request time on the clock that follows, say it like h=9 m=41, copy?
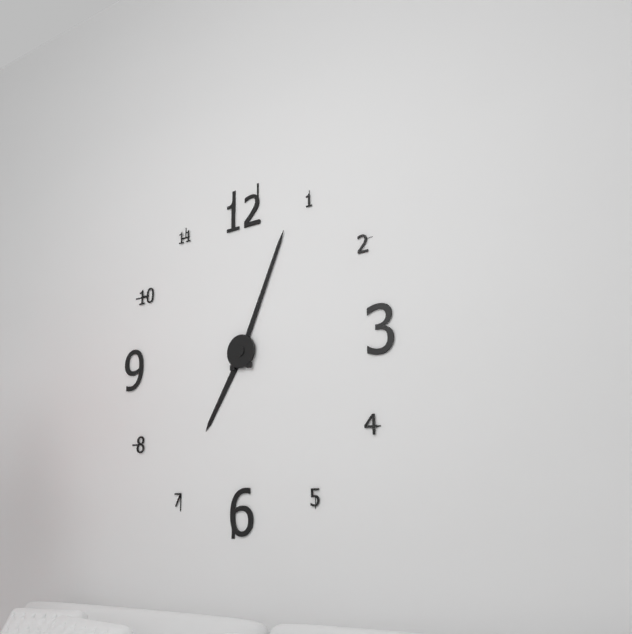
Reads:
h=7 m=4
